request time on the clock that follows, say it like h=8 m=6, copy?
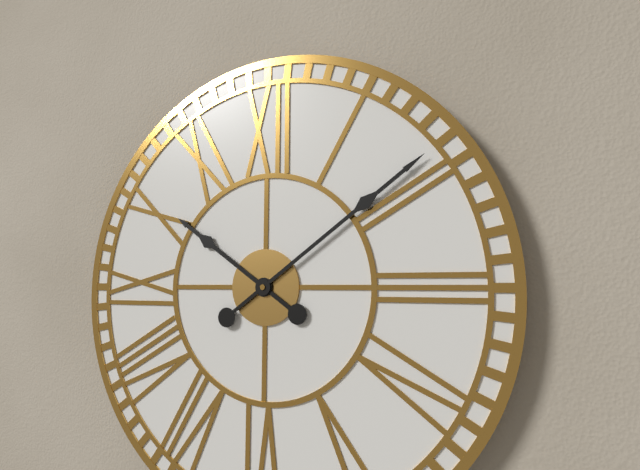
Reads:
h=10 m=9
